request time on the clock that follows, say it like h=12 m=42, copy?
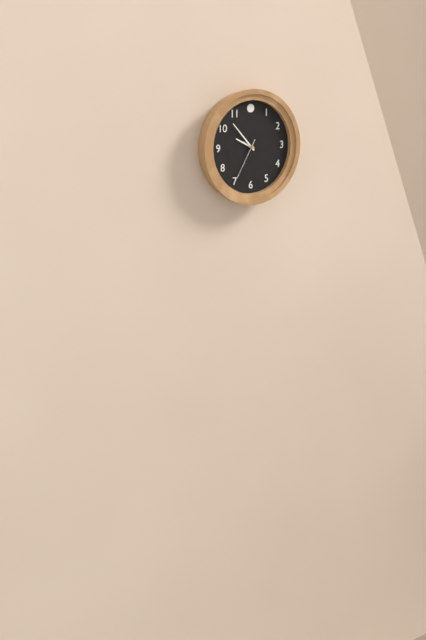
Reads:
h=9 m=53
